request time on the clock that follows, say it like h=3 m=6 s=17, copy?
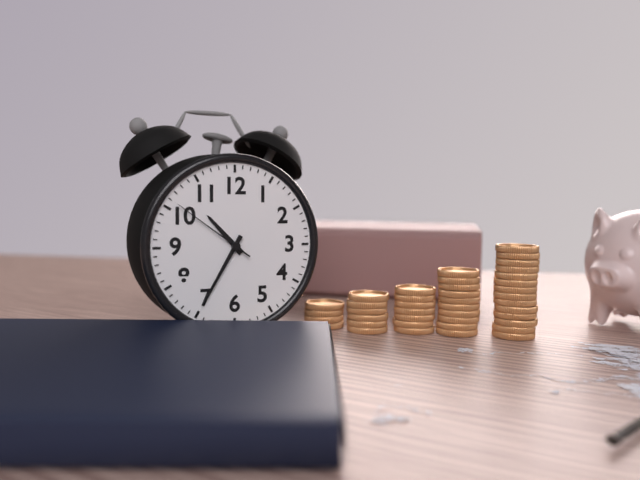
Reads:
h=10 m=35 s=51
